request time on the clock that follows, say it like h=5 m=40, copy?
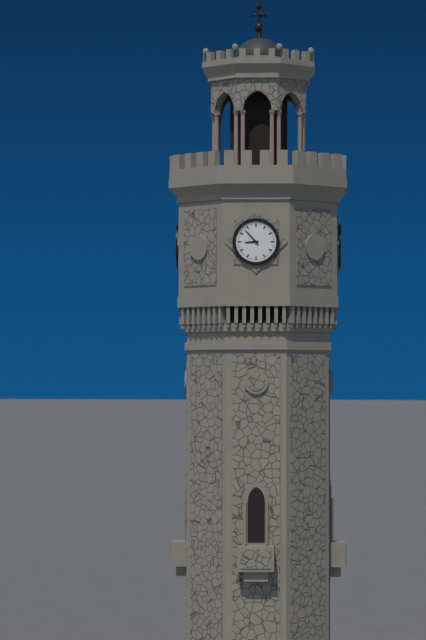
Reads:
h=8 m=53
